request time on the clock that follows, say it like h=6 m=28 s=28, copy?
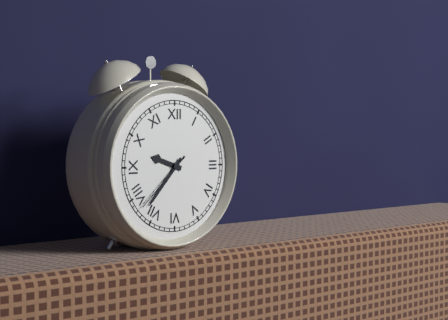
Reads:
h=9 m=37 s=38
